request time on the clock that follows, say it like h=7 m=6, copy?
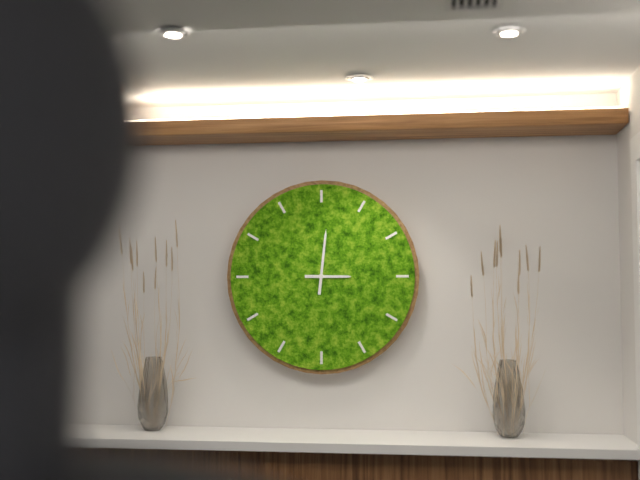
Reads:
h=3 m=1
